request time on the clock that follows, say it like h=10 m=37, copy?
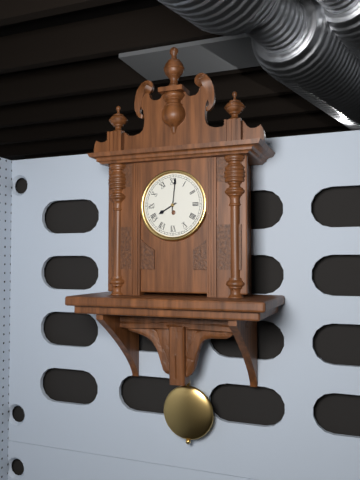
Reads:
h=8 m=1
